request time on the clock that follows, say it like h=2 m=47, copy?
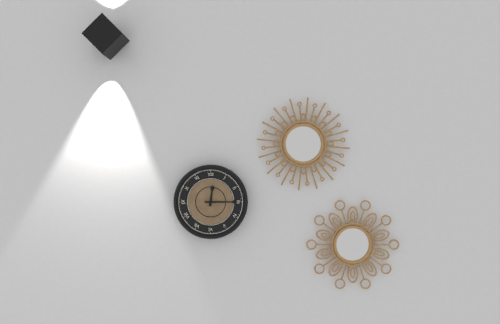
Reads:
h=12 m=15
